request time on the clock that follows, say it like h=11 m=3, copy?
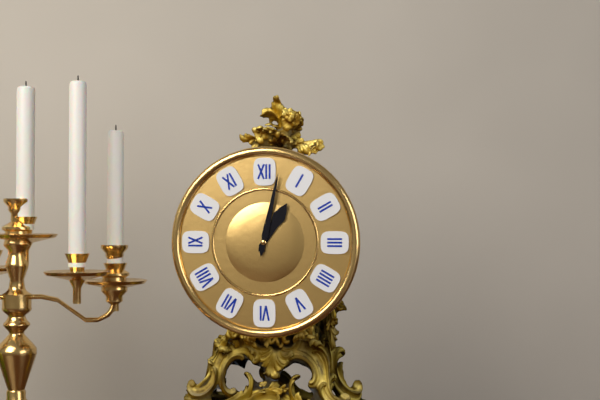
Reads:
h=1 m=2
